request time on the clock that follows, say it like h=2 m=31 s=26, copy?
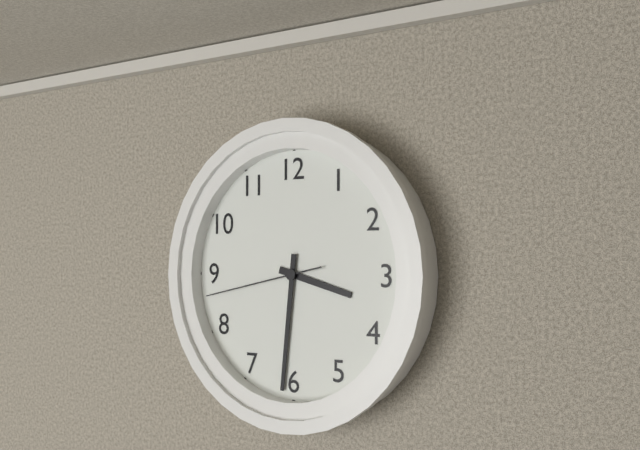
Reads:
h=3 m=31 s=43
